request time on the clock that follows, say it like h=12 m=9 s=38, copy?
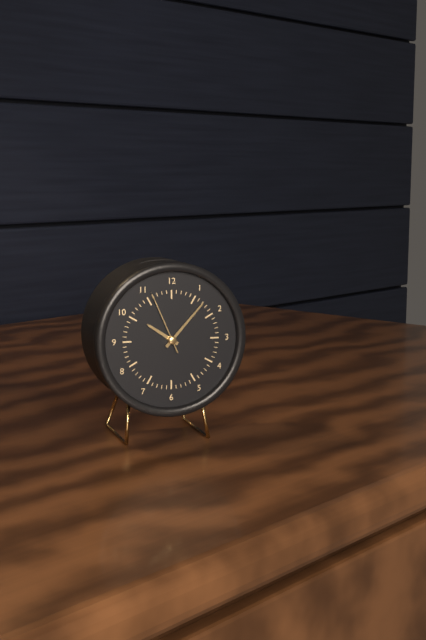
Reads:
h=10 m=7 s=56
